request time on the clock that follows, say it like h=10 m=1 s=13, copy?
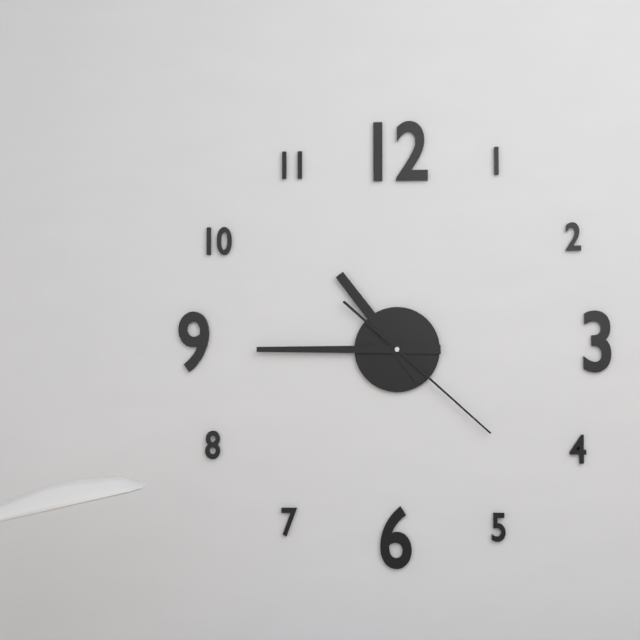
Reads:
h=10 m=45 s=22
